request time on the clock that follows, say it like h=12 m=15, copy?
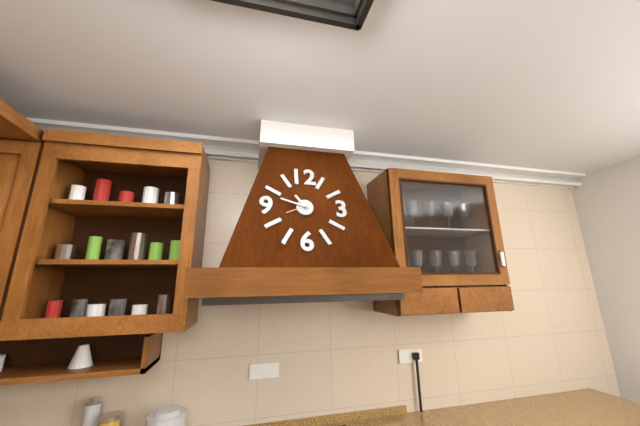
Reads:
h=10 m=48
